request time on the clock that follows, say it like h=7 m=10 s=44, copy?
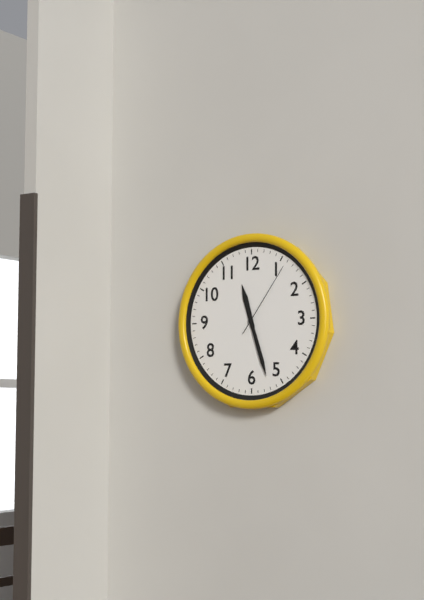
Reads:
h=11 m=27 s=6
